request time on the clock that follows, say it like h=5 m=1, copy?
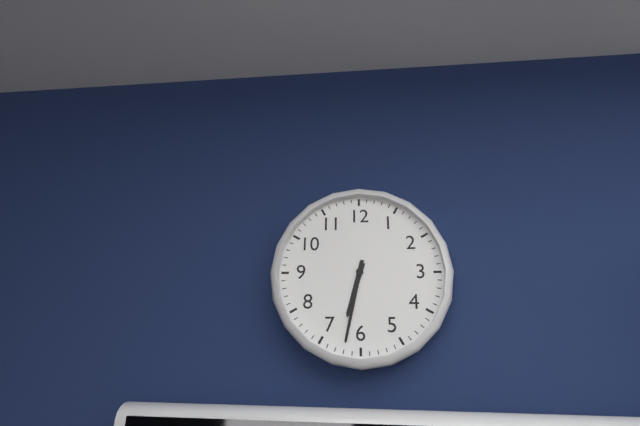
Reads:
h=6 m=32
